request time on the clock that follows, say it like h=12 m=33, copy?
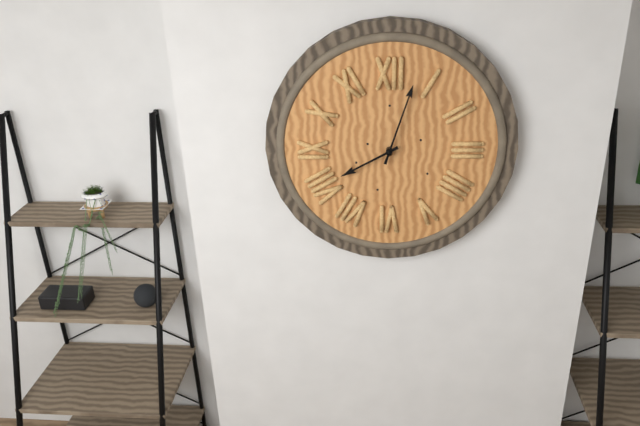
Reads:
h=8 m=3
